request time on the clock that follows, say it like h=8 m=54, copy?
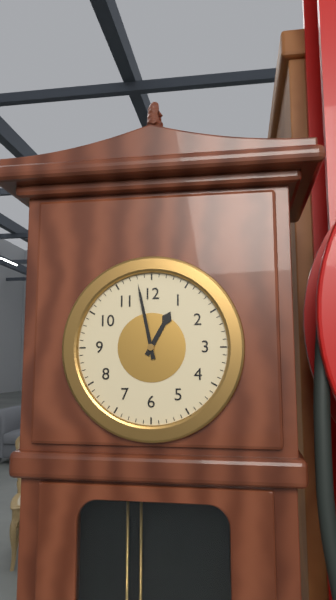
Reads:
h=12 m=58
